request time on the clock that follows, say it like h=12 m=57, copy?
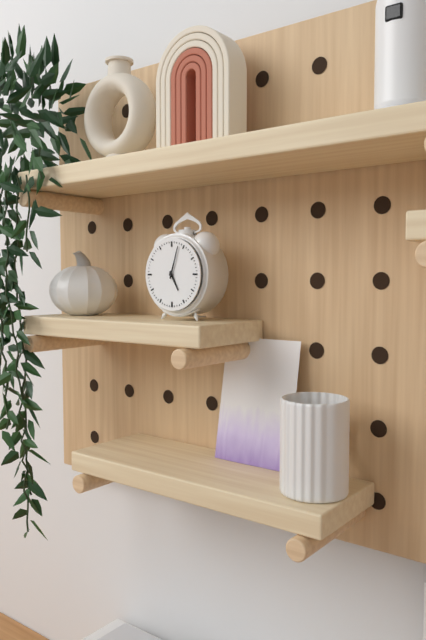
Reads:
h=5 m=3
